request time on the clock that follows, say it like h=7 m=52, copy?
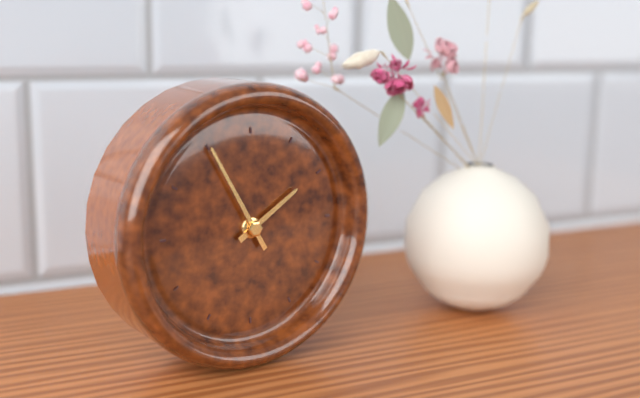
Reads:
h=1 m=55
